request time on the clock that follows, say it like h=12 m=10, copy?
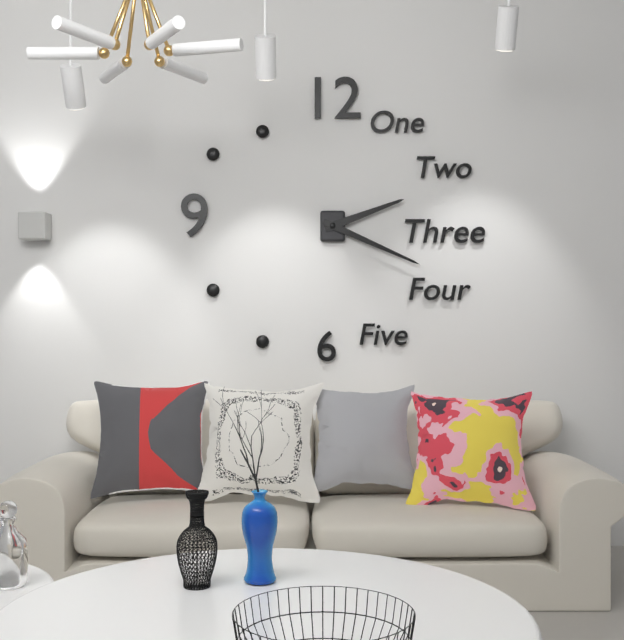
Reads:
h=2 m=19
